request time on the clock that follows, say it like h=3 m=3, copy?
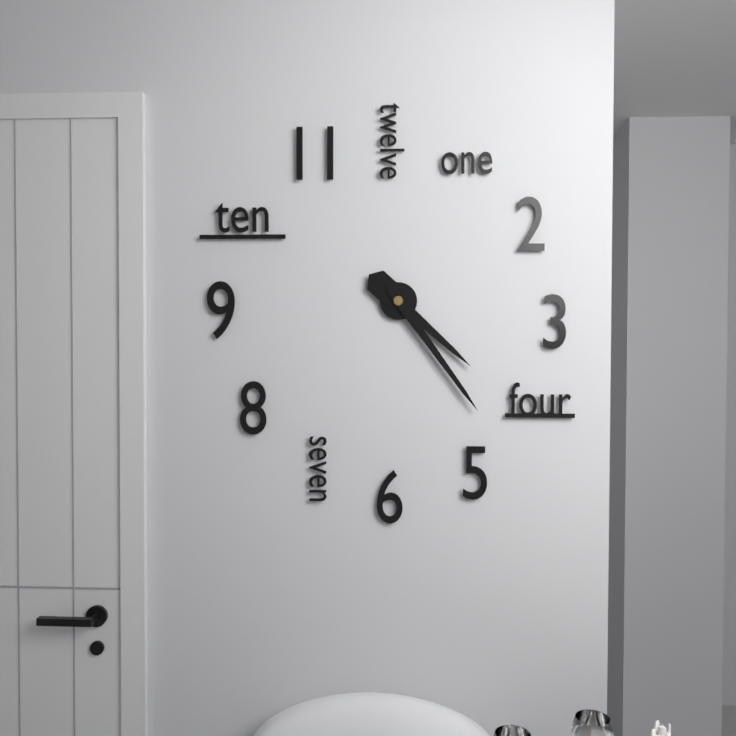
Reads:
h=4 m=24
